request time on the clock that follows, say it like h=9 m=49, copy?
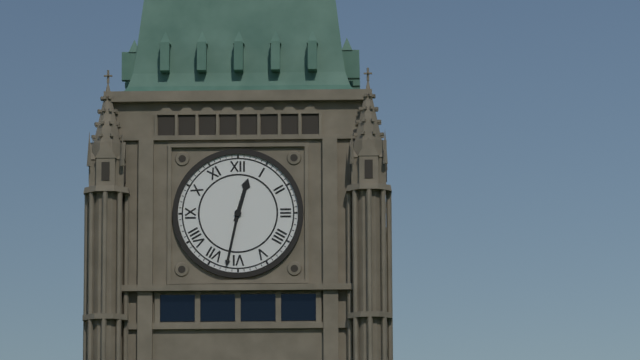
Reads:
h=12 m=32
